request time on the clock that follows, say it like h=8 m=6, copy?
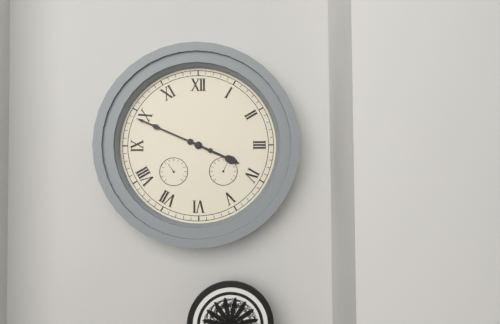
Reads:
h=3 m=49
